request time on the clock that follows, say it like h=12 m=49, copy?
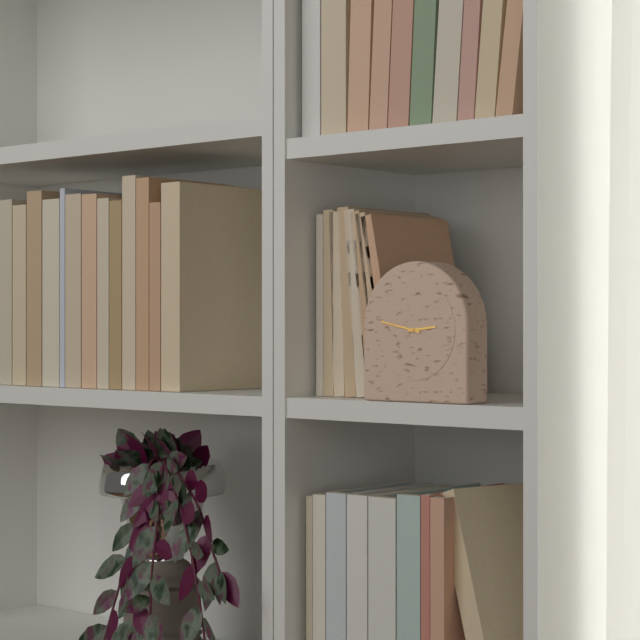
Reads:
h=2 m=47
